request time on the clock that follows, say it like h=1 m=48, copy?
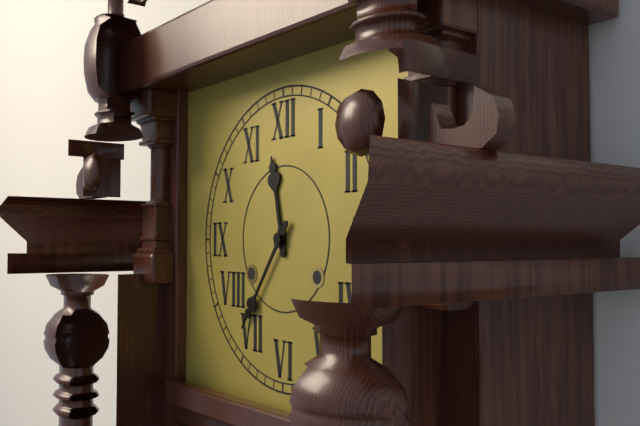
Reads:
h=11 m=36
